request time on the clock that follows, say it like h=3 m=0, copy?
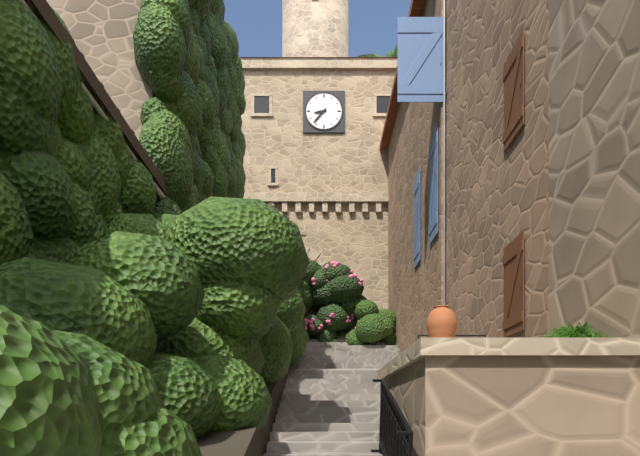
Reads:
h=8 m=37
